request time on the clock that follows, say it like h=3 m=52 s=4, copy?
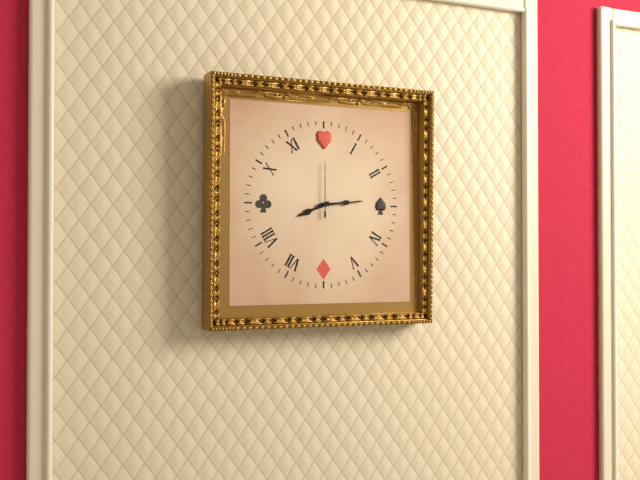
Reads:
h=8 m=14 s=0
